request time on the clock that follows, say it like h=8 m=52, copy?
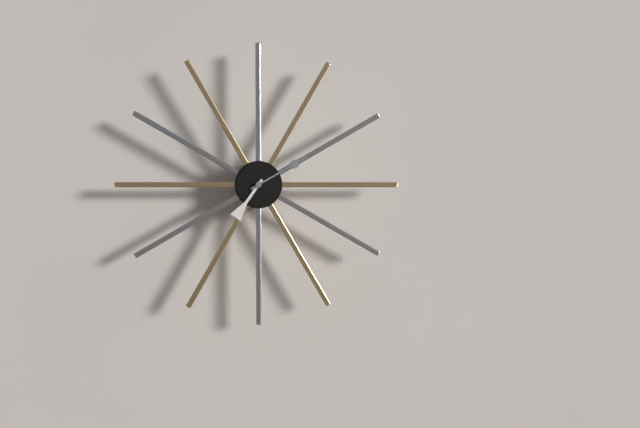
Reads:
h=7 m=10
